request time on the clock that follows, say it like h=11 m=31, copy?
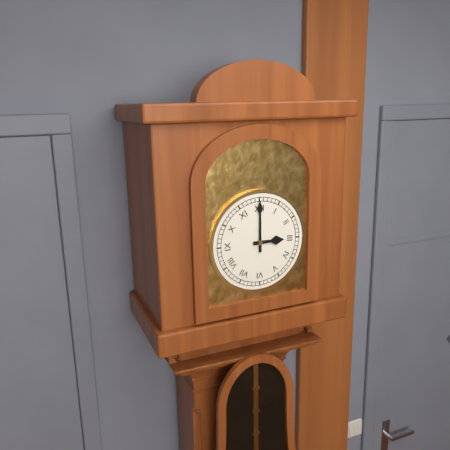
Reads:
h=3 m=0
